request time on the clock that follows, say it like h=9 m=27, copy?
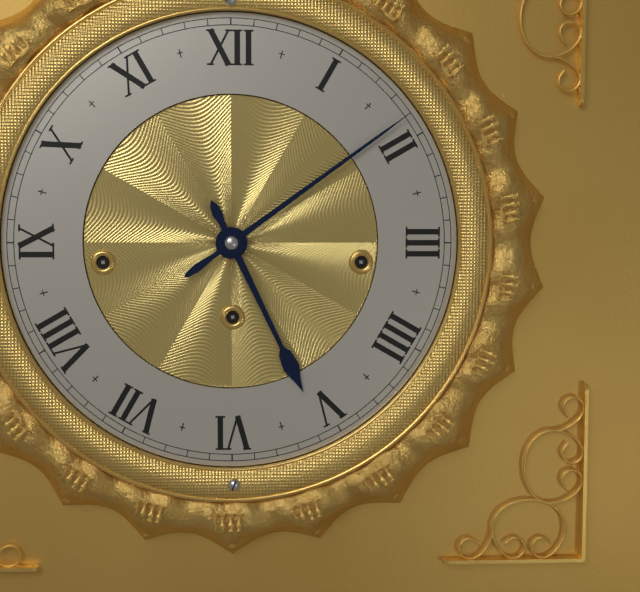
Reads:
h=5 m=9
